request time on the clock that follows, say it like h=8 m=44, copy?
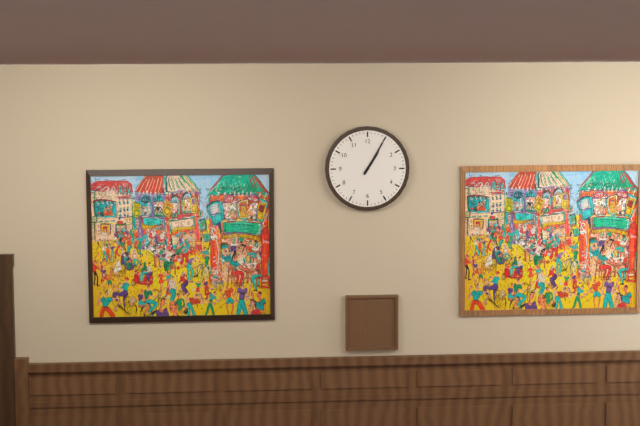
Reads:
h=1 m=5
